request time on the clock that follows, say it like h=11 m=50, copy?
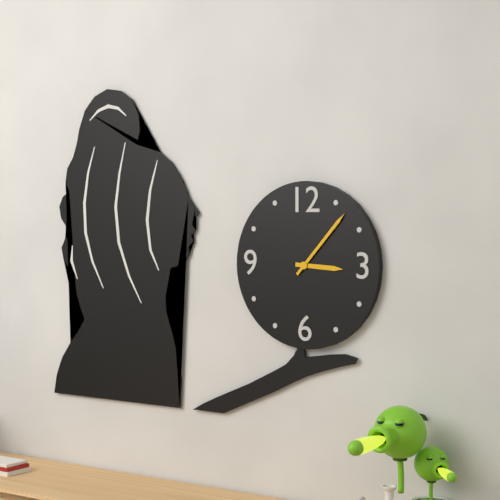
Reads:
h=3 m=7
